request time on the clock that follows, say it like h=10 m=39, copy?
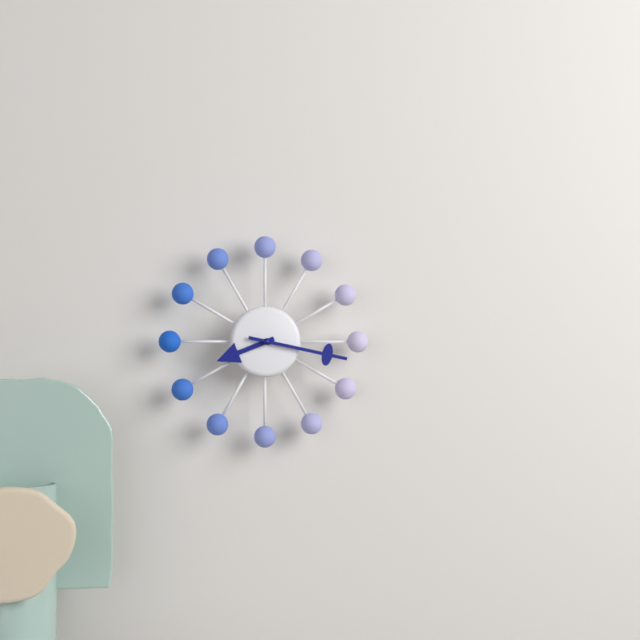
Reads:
h=8 m=17
